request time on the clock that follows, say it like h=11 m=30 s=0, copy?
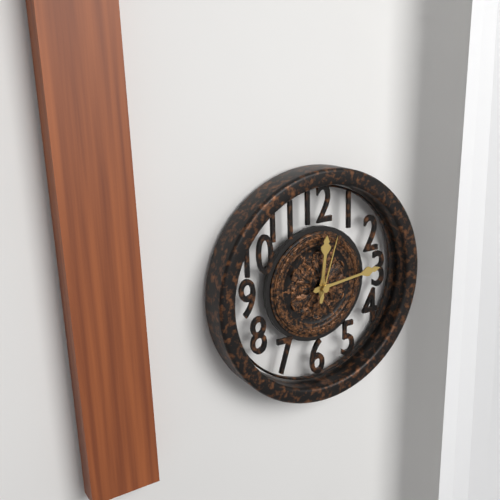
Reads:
h=12 m=14 s=3
